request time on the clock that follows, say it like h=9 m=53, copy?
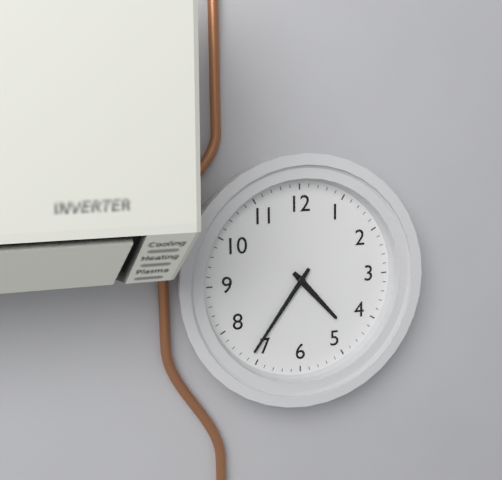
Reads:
h=4 m=36
